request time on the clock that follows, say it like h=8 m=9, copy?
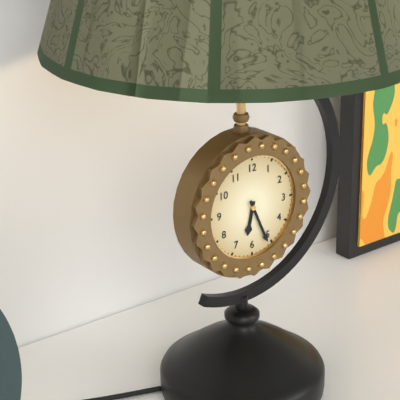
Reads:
h=6 m=26
